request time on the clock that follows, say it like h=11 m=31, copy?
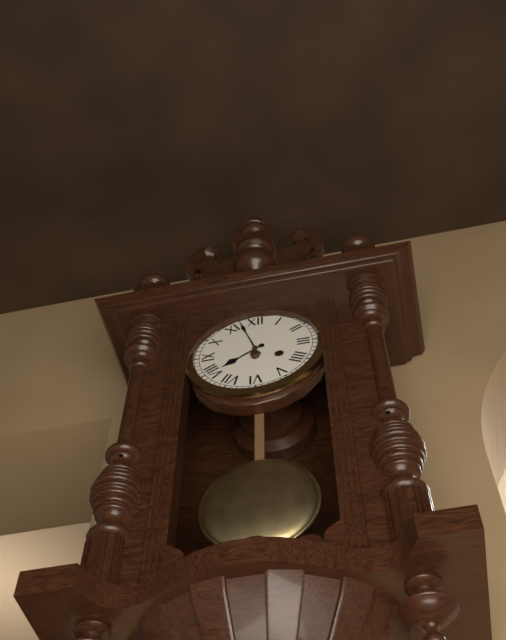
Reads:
h=7 m=57
